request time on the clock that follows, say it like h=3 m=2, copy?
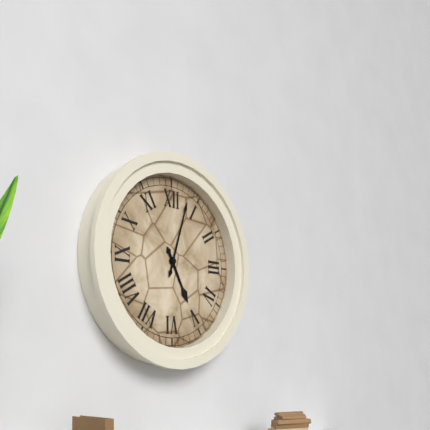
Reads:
h=5 m=3
